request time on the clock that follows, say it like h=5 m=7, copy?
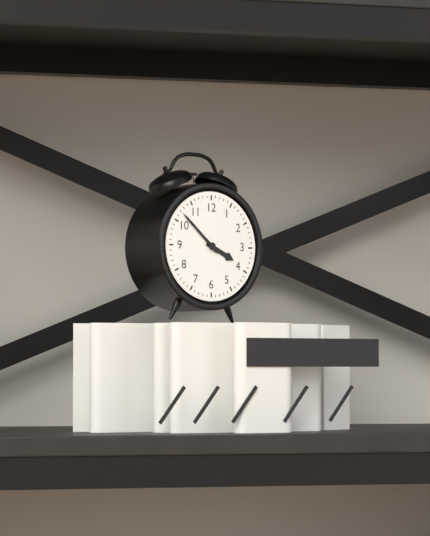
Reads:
h=3 m=52
